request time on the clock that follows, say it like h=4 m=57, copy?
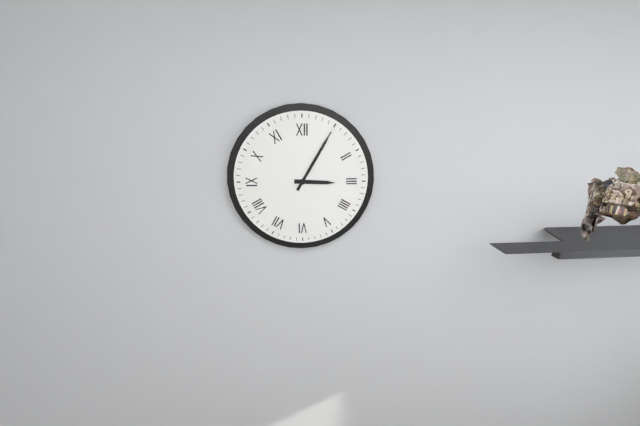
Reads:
h=3 m=5
